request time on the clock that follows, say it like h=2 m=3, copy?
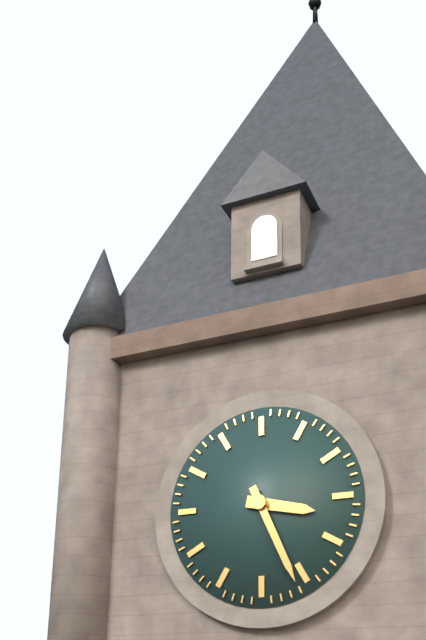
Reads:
h=3 m=26
